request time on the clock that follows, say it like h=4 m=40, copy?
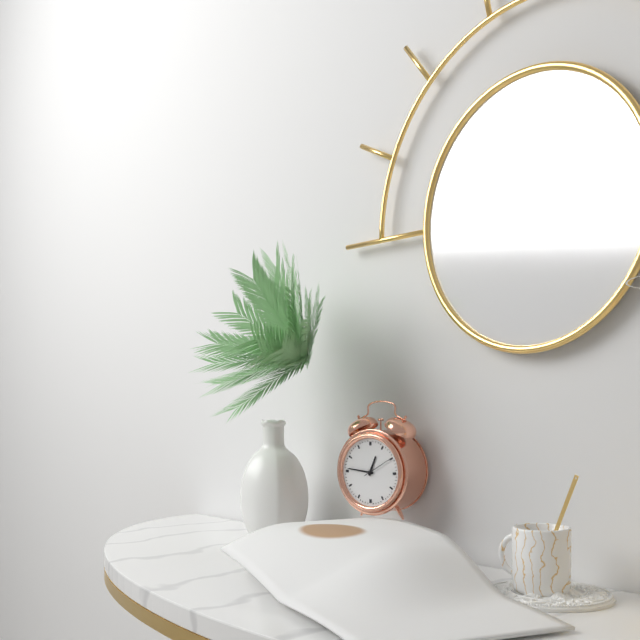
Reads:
h=12 m=46
